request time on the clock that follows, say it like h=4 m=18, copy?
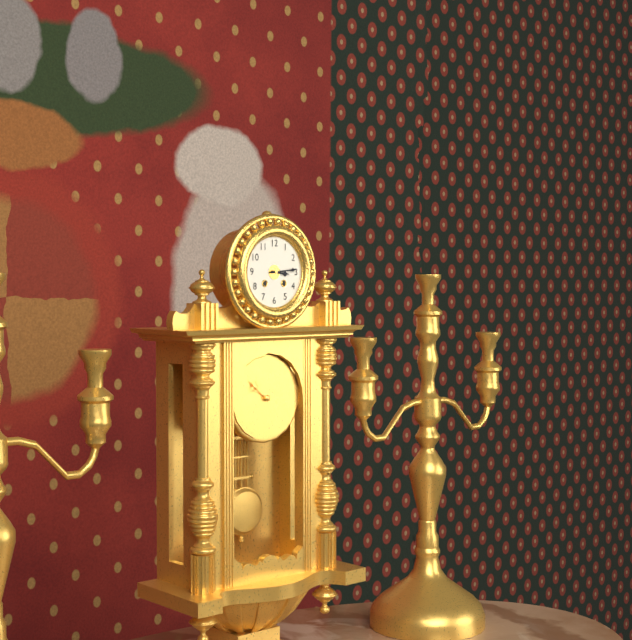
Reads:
h=3 m=14
